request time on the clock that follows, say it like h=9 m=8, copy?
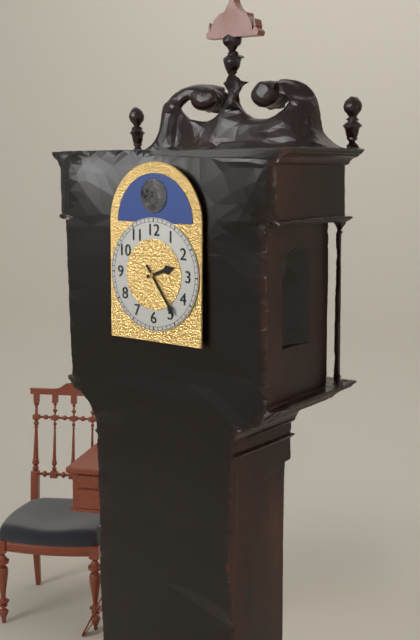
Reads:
h=2 m=24
